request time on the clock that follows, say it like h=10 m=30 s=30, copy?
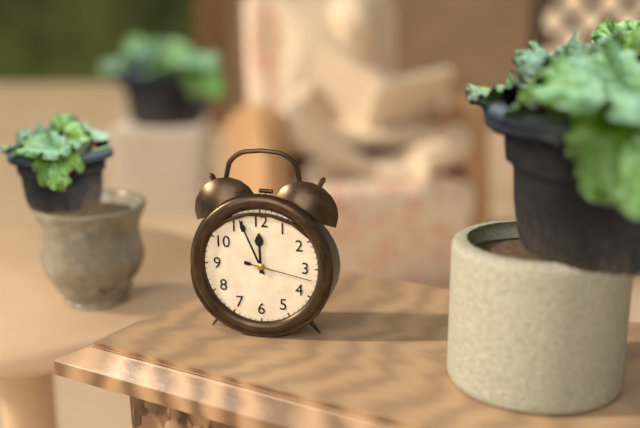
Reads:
h=11 m=56 s=17
